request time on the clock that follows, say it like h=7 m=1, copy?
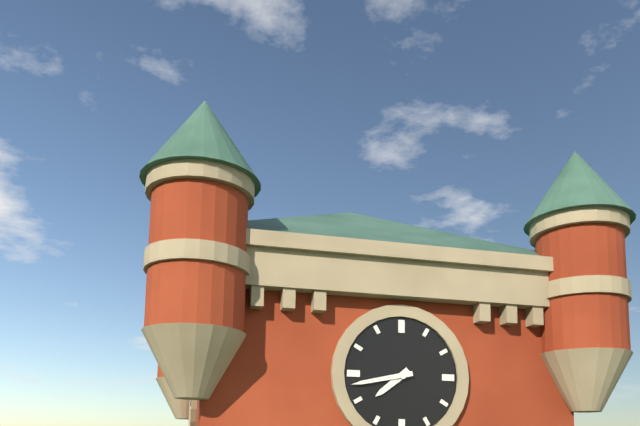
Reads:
h=7 m=43
